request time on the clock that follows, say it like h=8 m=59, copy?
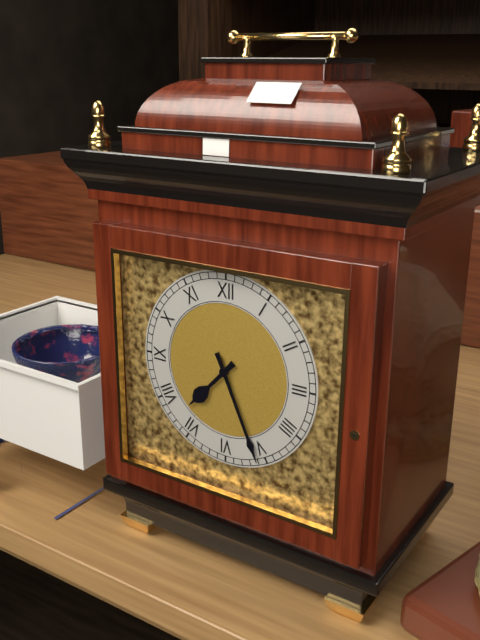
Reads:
h=7 m=26
